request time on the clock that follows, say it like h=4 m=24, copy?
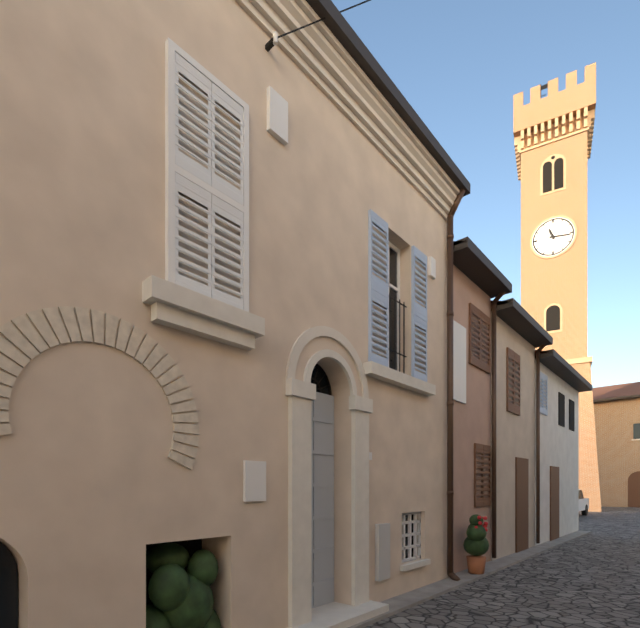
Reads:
h=11 m=16
